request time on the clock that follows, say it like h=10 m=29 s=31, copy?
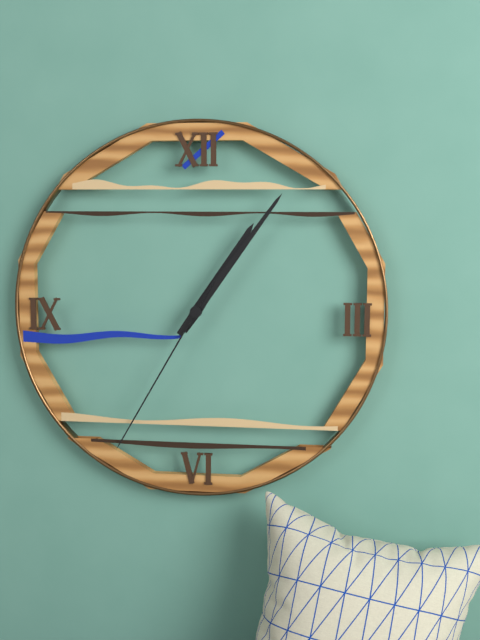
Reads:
h=1 m=6 s=35
